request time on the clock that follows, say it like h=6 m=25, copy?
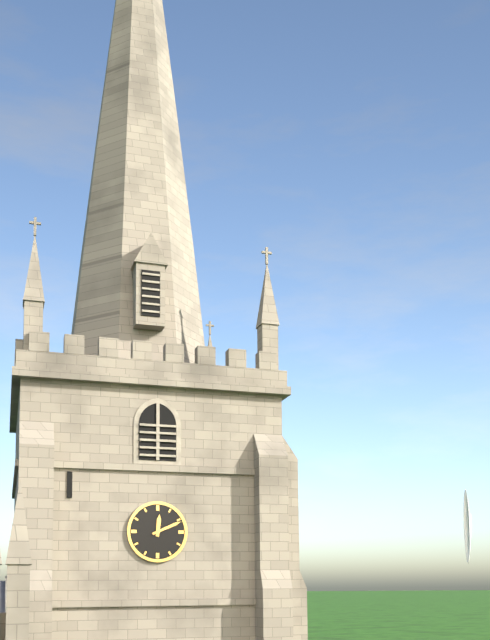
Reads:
h=12 m=11
